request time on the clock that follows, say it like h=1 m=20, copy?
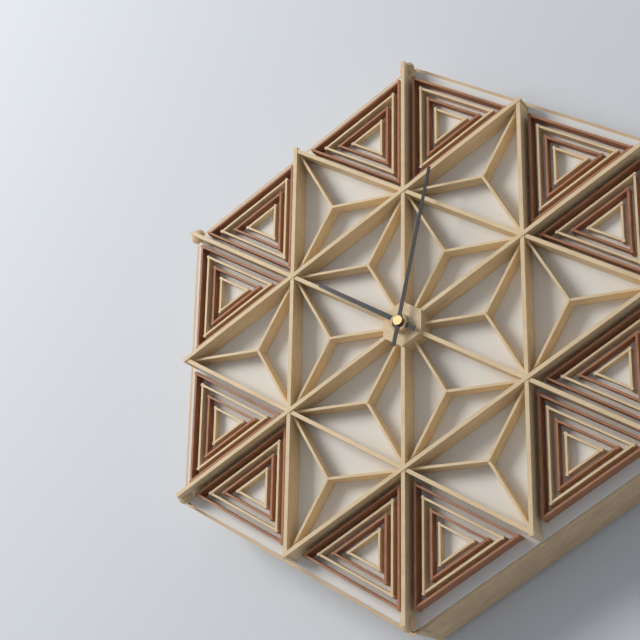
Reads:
h=10 m=2
